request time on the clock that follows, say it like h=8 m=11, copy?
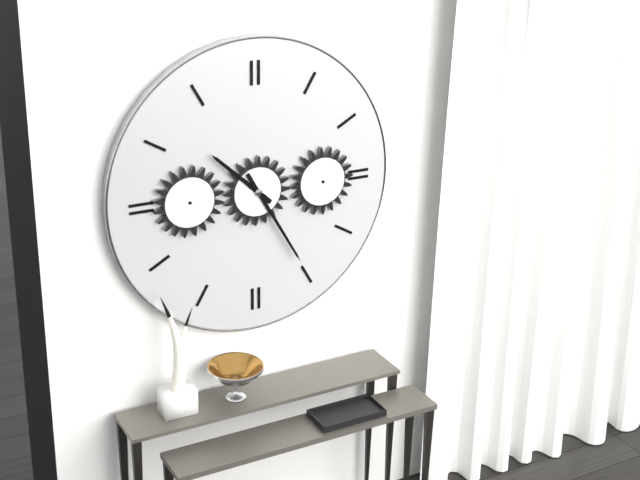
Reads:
h=10 m=25
